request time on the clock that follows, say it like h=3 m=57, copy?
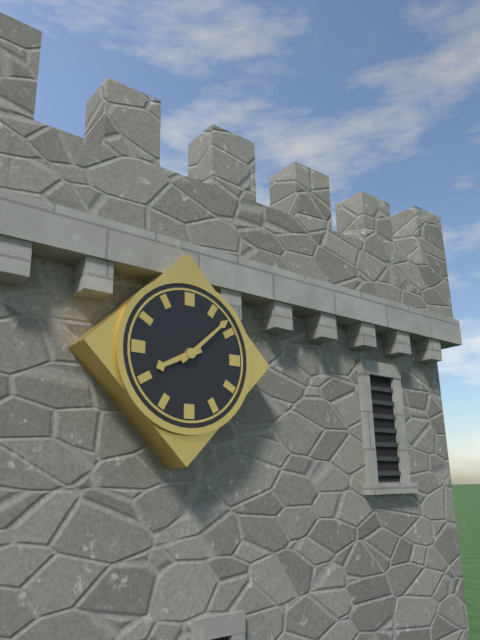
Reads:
h=8 m=8
